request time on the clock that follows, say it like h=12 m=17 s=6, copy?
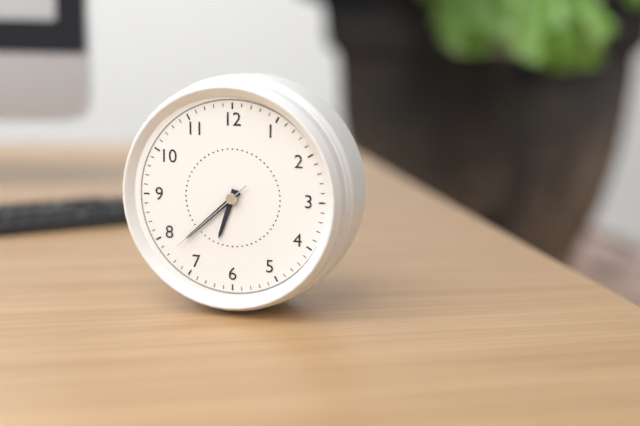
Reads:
h=6 m=38 s=38
